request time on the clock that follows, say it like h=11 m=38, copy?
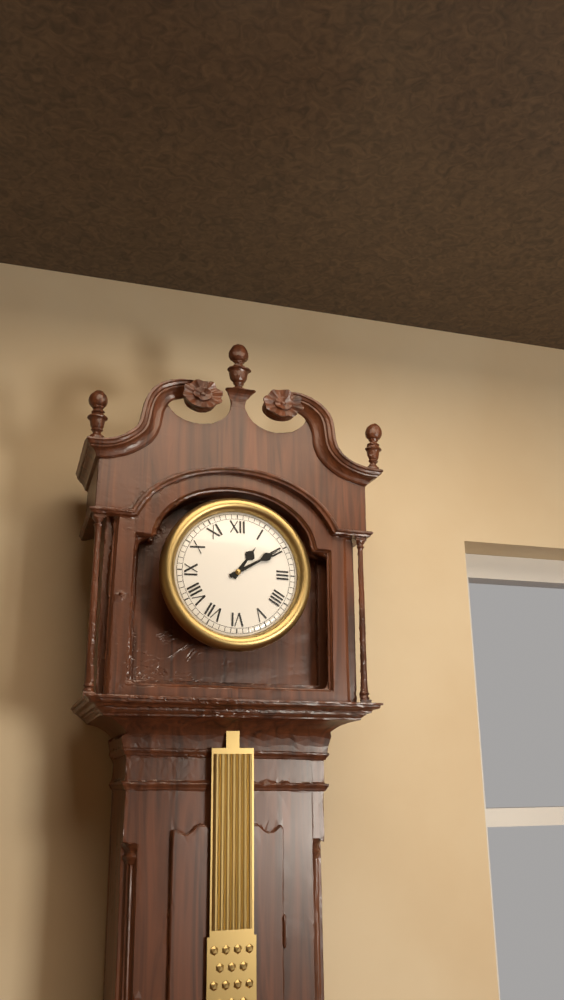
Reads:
h=1 m=10
